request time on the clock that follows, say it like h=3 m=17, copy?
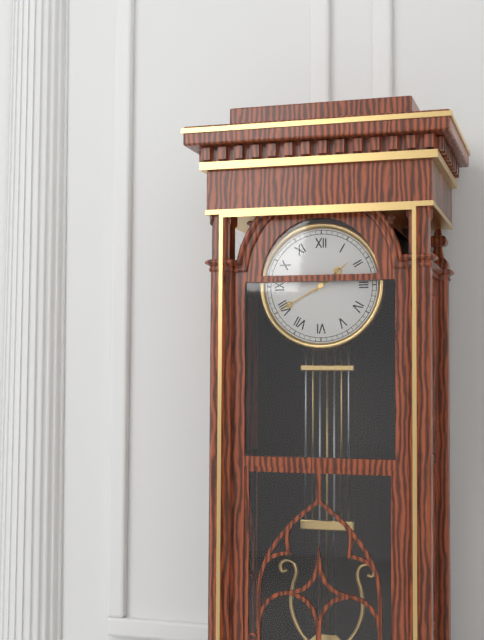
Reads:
h=1 m=40
